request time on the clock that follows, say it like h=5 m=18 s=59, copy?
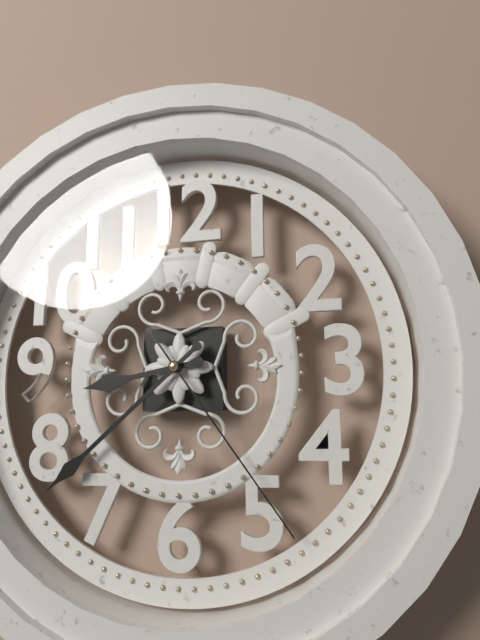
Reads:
h=8 m=38 s=24
